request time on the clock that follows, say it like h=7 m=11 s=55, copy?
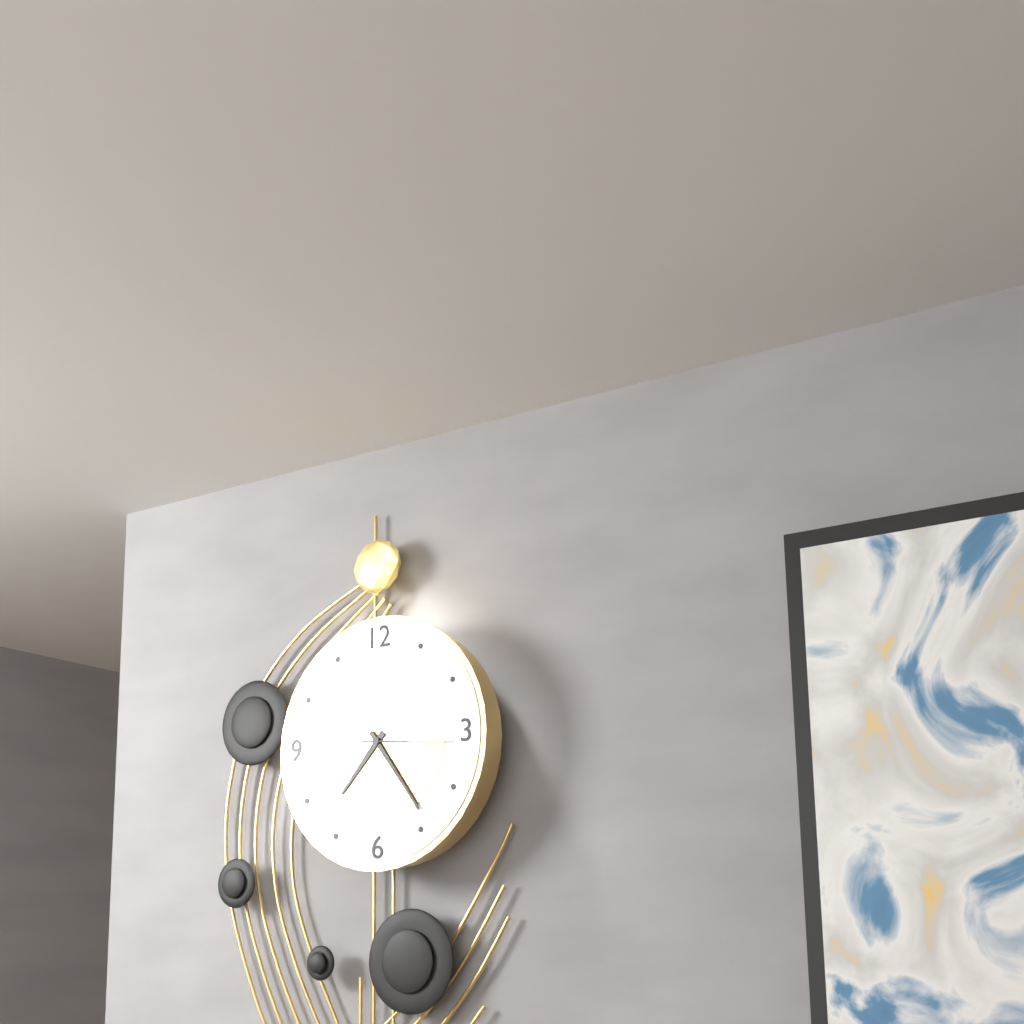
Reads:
h=7 m=24 s=16
